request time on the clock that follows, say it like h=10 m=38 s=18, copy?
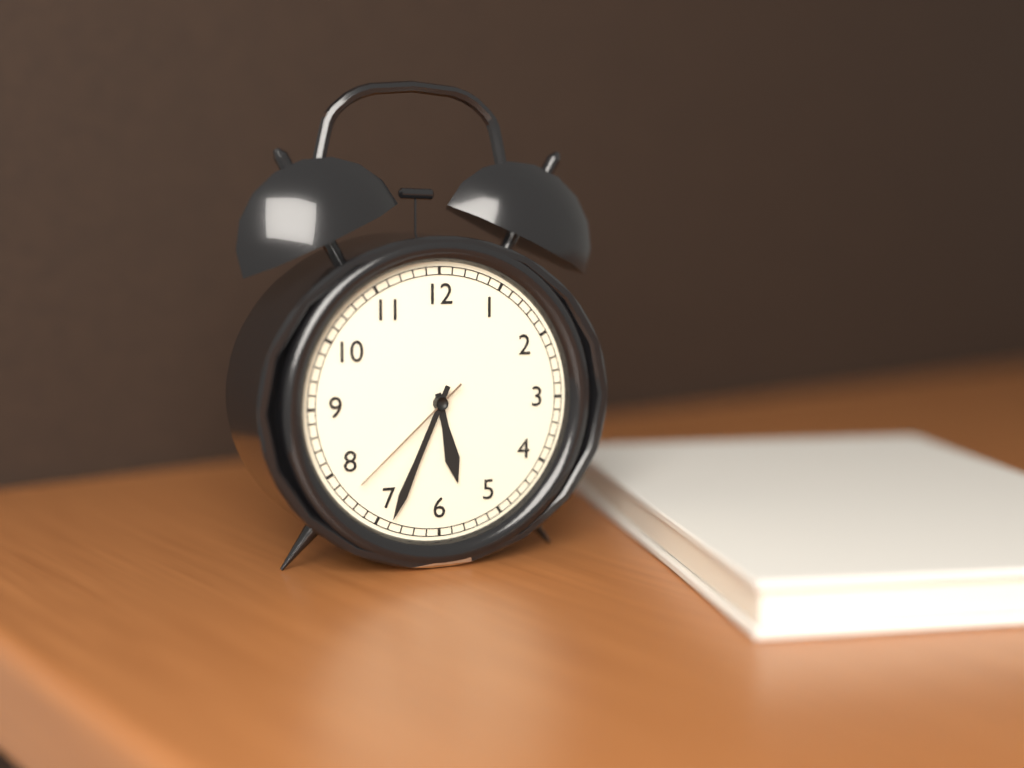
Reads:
h=5 m=34 s=38
